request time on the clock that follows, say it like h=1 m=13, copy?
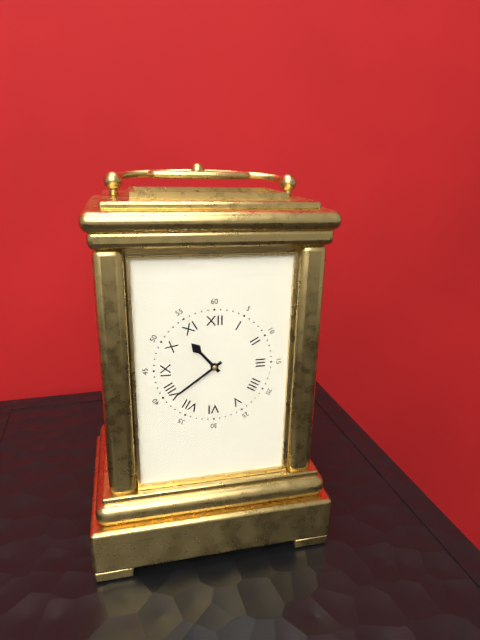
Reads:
h=10 m=39
